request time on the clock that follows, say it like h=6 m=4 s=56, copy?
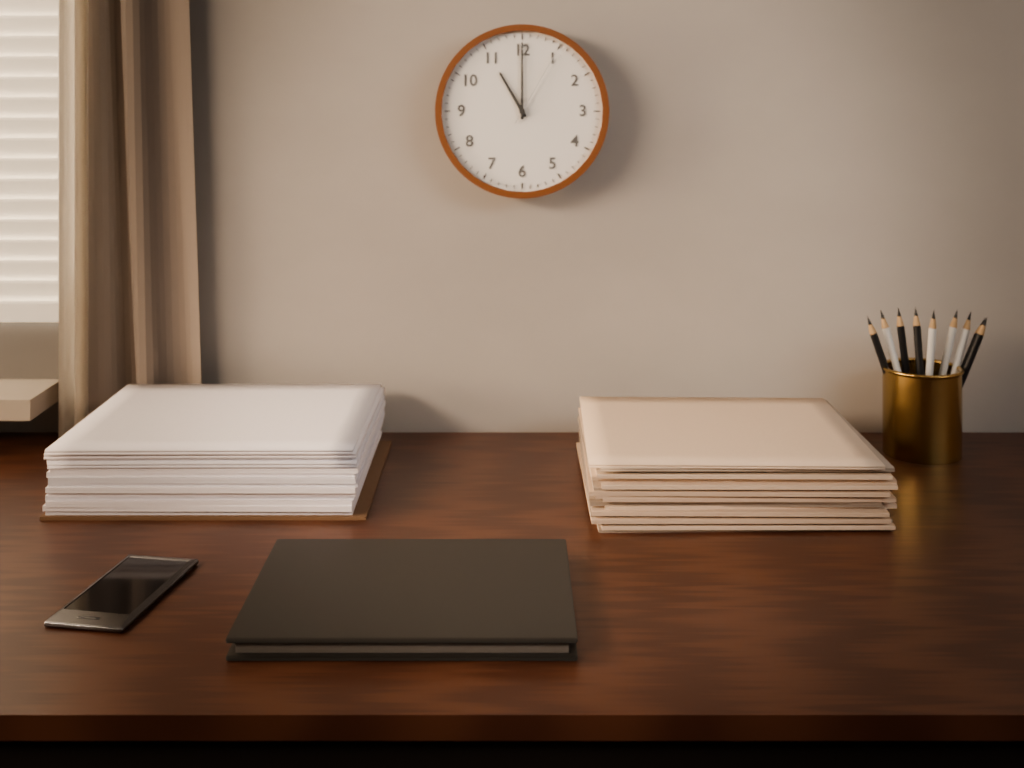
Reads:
h=11 m=0 s=5
